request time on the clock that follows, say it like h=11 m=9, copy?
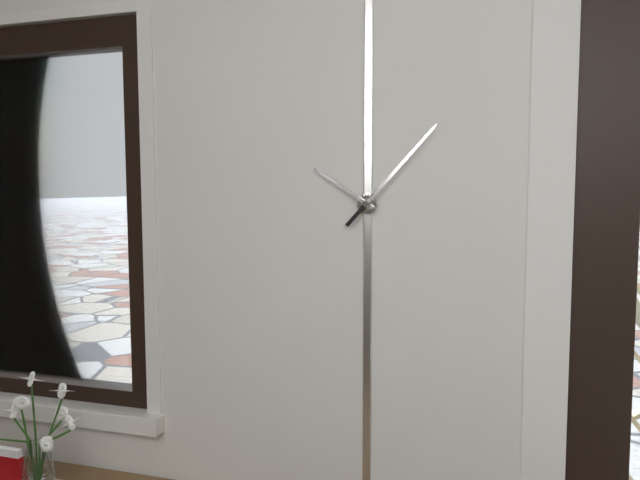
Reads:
h=10 m=7
